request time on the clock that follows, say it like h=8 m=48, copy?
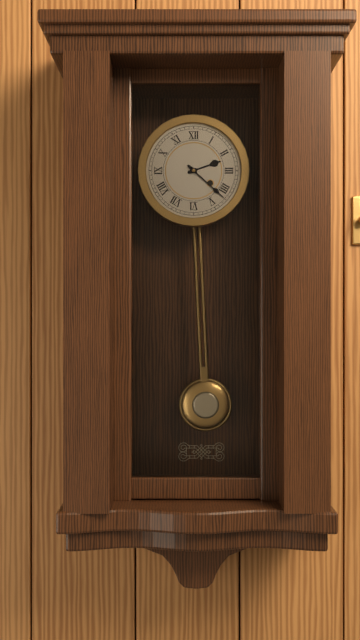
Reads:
h=2 m=22
